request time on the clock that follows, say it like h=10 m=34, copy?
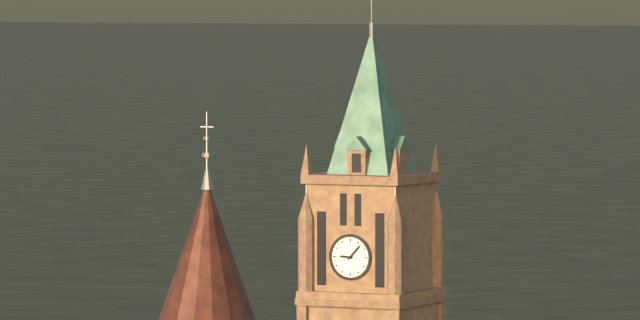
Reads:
h=9 m=7
